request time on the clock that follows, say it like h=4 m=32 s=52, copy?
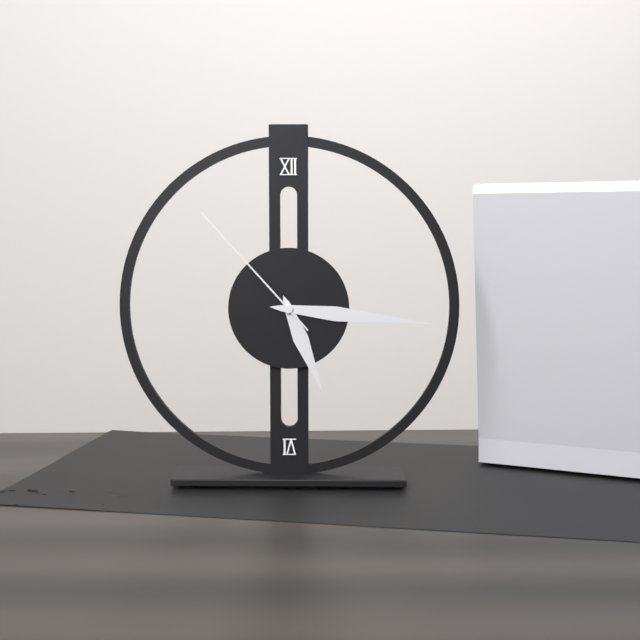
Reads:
h=5 m=16 s=53
